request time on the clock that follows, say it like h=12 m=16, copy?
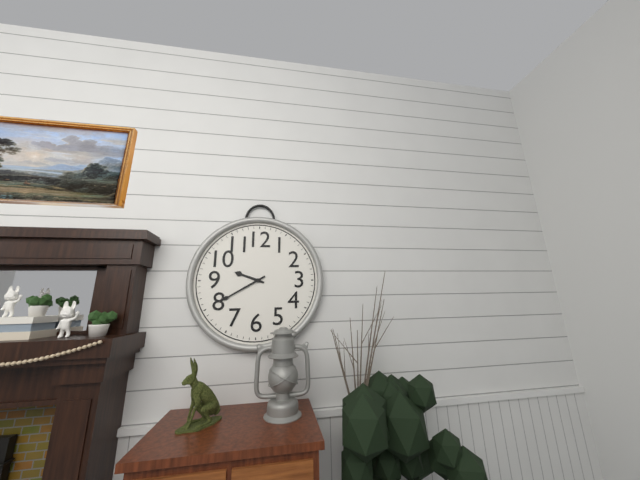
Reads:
h=9 m=40
